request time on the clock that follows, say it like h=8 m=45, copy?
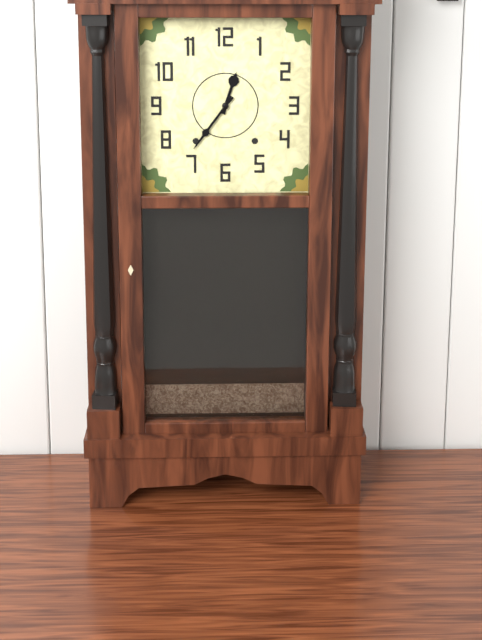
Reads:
h=12 m=36
